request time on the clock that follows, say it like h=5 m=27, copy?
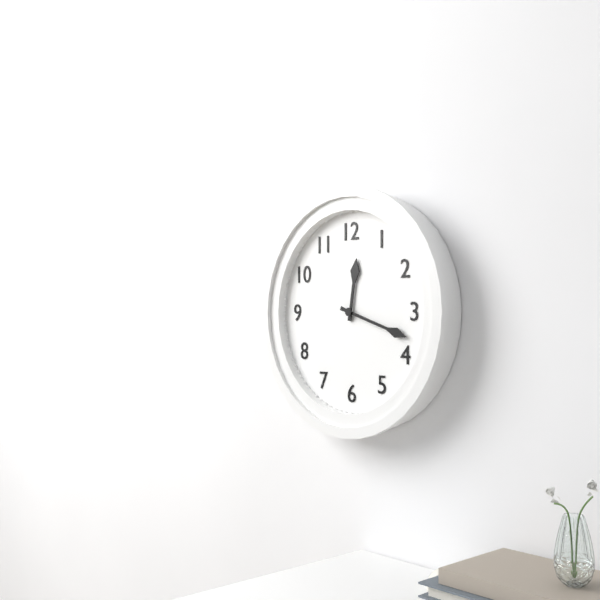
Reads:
h=12 m=18
